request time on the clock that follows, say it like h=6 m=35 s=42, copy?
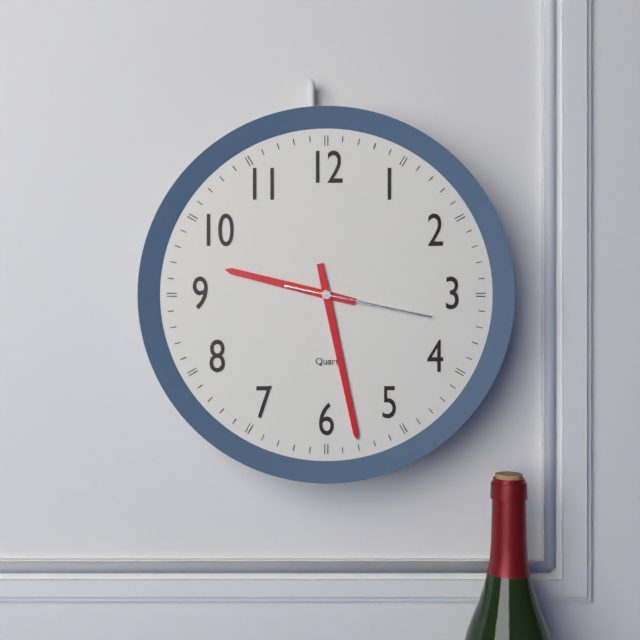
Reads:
h=9 m=28 s=17
